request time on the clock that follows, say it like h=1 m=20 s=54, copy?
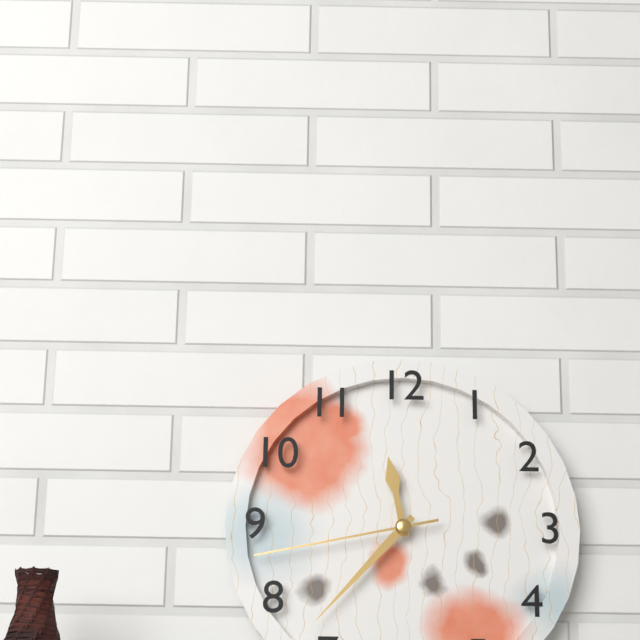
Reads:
h=11 m=37 s=43
